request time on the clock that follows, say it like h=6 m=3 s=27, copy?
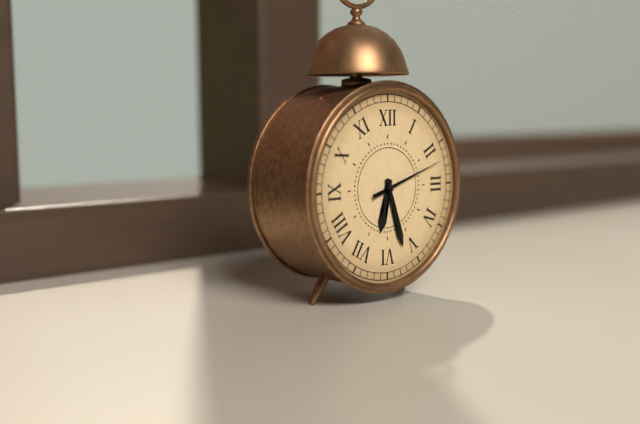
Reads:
h=6 m=27 s=12
